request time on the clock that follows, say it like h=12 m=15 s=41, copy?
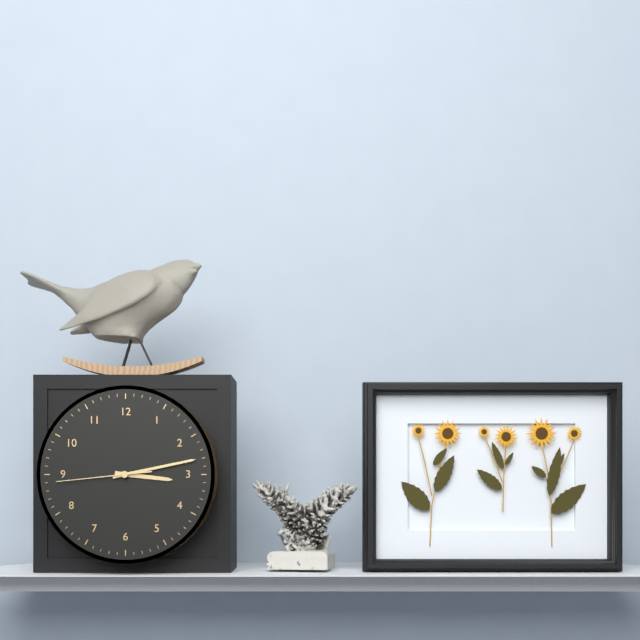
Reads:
h=3 m=13 s=44
